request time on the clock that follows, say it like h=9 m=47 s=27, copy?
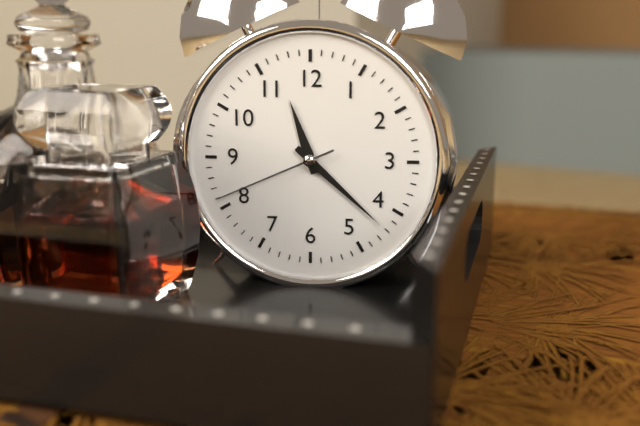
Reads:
h=11 m=22 s=41
